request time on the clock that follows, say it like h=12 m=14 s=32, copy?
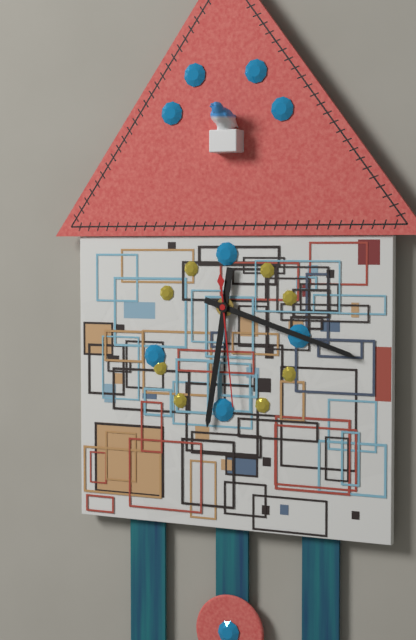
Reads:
h=6 m=18 s=29
